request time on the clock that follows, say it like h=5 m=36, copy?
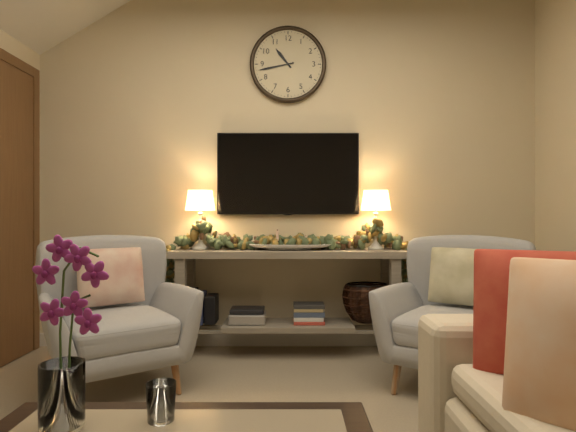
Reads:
h=10 m=43
